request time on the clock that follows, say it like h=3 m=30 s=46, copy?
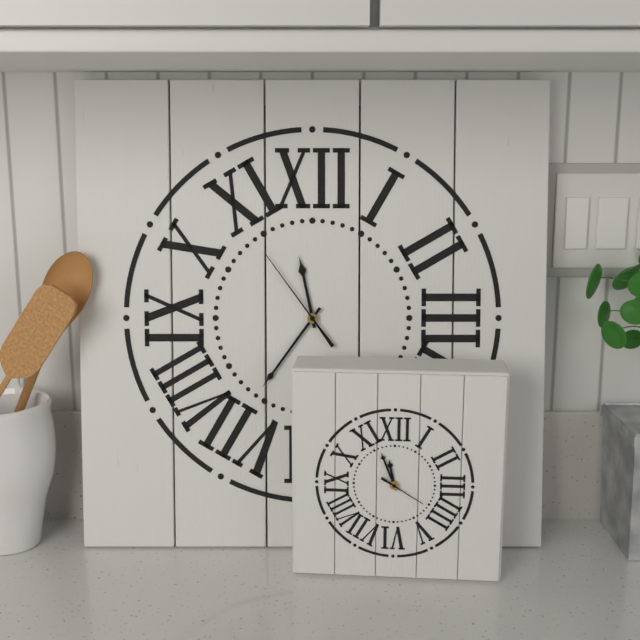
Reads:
h=11 m=36 s=54
